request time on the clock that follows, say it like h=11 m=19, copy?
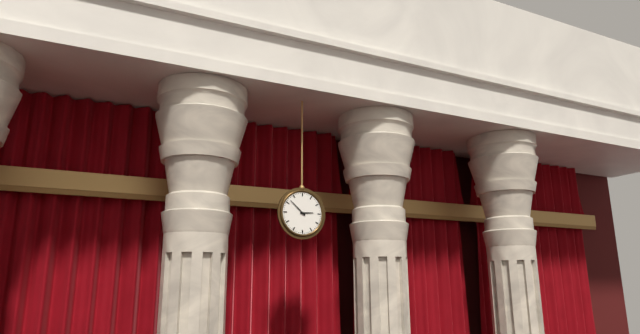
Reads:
h=2 m=52
